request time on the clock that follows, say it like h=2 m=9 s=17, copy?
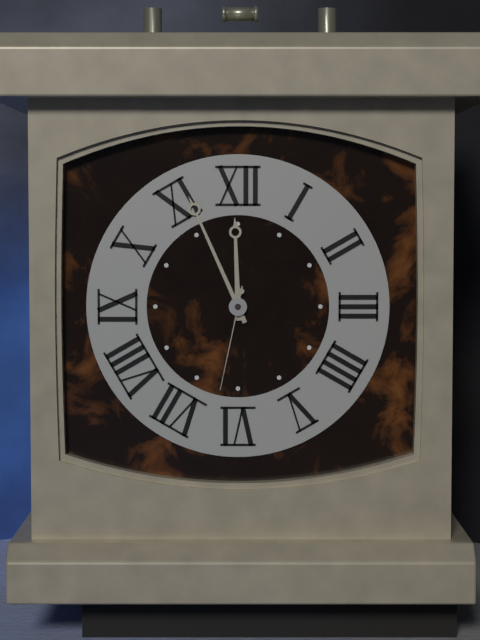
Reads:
h=11 m=56 s=32
